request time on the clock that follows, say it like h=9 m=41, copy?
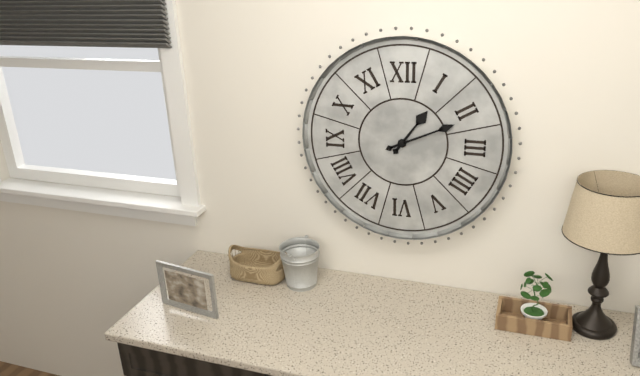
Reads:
h=1 m=11
